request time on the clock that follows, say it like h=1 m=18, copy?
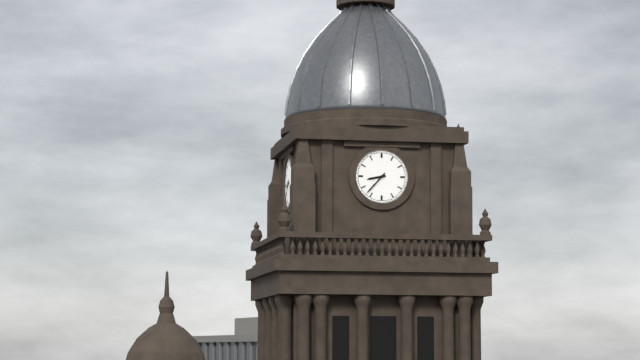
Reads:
h=8 m=37
